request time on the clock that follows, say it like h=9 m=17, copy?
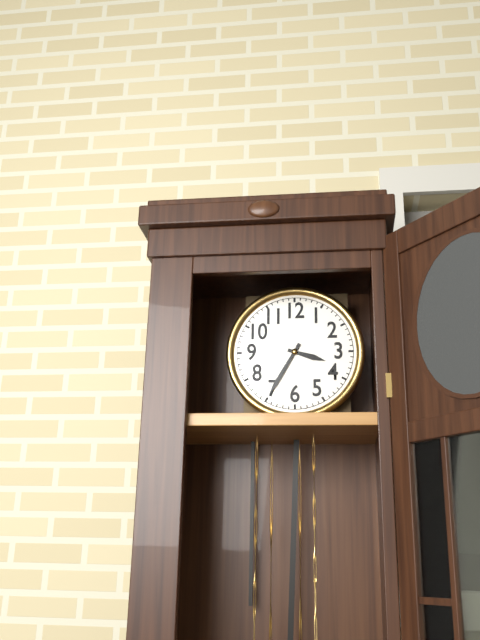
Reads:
h=3 m=35
